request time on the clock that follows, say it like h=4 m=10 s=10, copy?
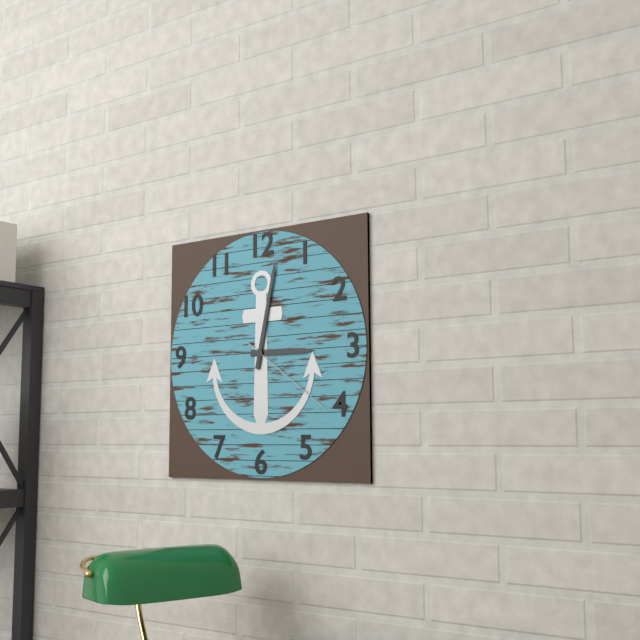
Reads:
h=3 m=2 s=21
